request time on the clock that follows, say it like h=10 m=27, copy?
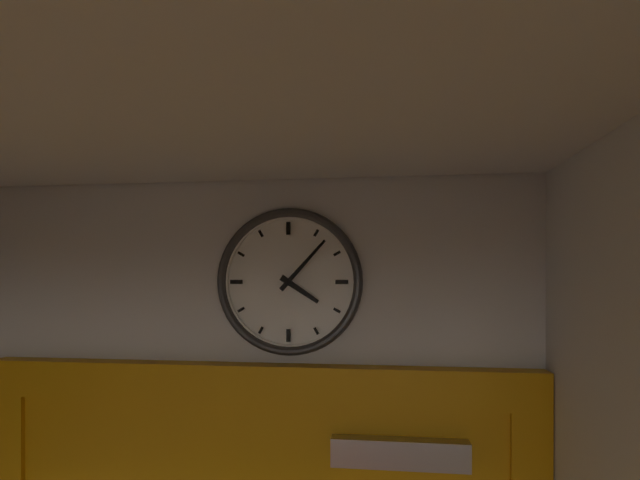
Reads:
h=4 m=7
